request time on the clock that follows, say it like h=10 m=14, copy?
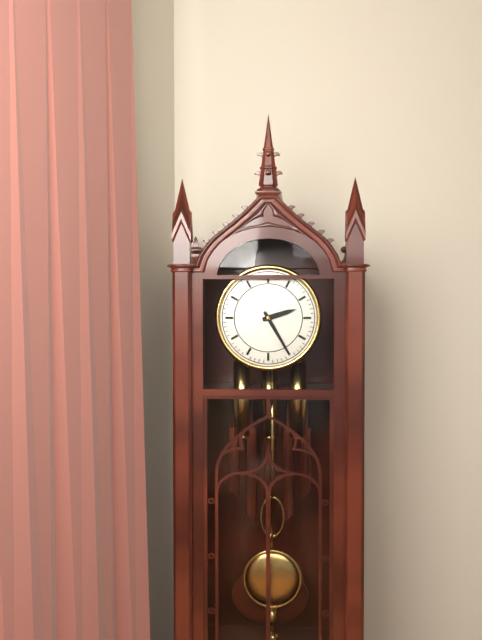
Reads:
h=2 m=25
